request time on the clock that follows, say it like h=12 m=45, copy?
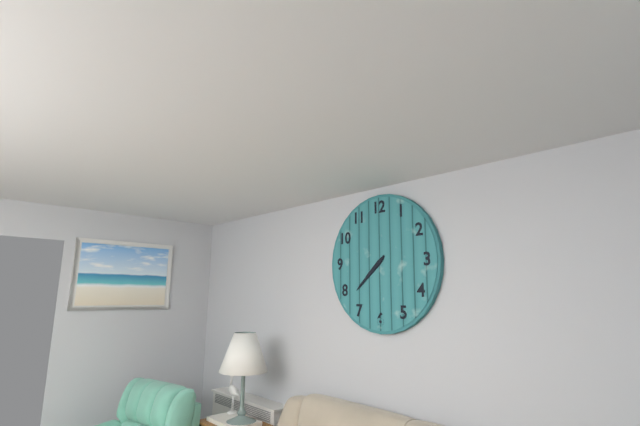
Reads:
h=7 m=38
